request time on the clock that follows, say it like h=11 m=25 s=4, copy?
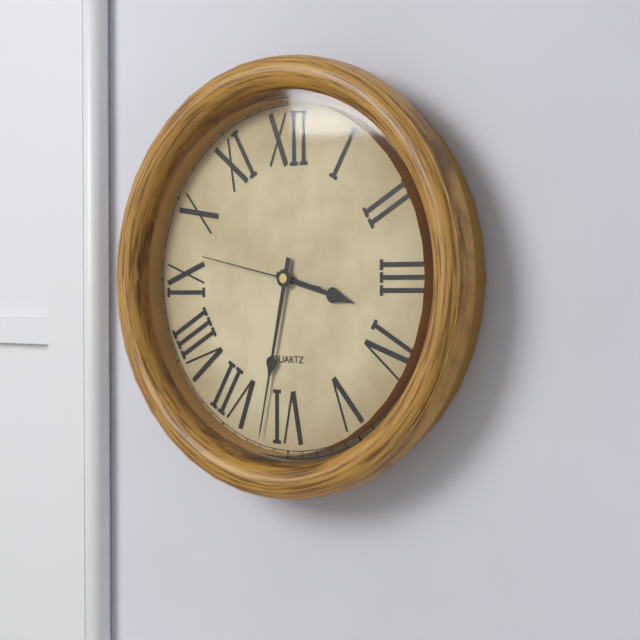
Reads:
h=3 m=32 s=47
